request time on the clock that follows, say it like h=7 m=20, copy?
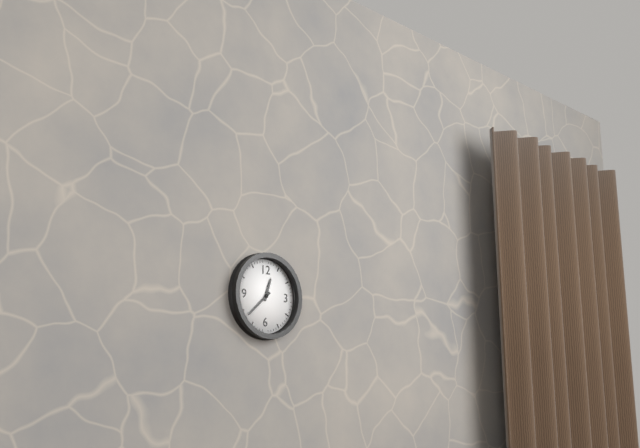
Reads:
h=12 m=38
